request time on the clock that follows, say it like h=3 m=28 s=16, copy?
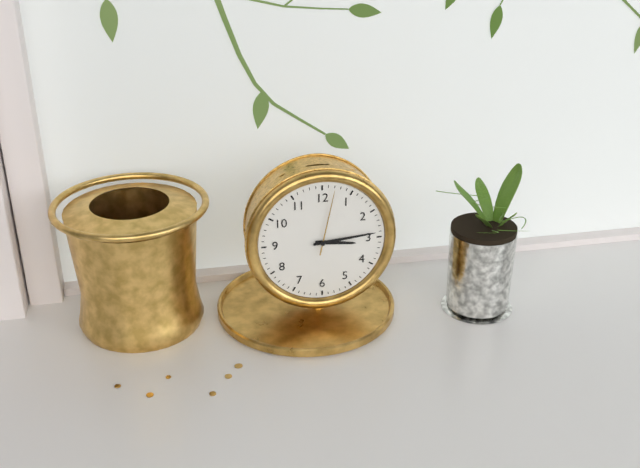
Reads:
h=3 m=14 s=2
